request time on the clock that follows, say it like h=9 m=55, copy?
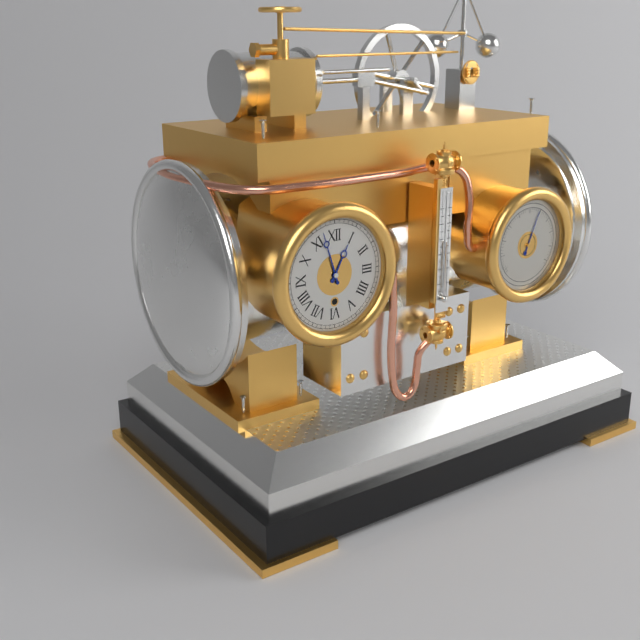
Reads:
h=12 m=57
